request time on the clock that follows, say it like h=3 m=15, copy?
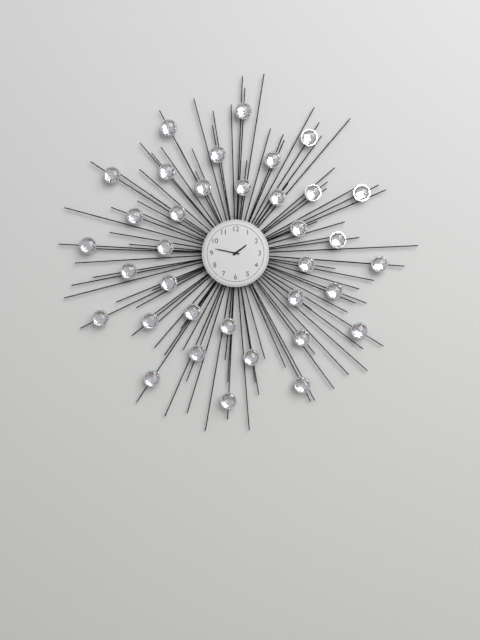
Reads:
h=1 m=47
